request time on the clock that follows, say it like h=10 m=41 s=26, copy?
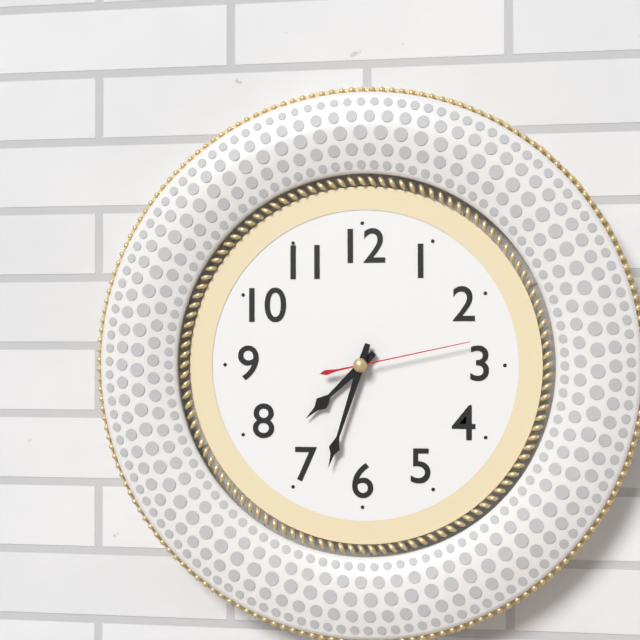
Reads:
h=7 m=33 s=13
